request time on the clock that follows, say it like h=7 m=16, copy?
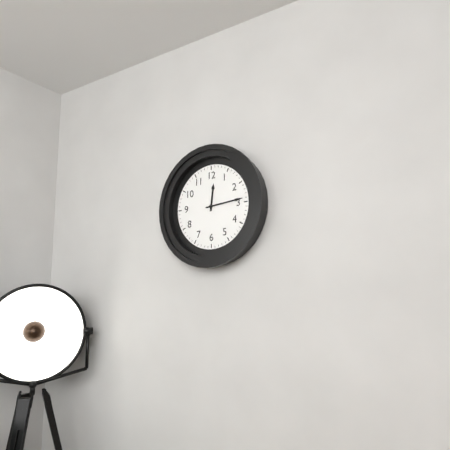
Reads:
h=12 m=14
